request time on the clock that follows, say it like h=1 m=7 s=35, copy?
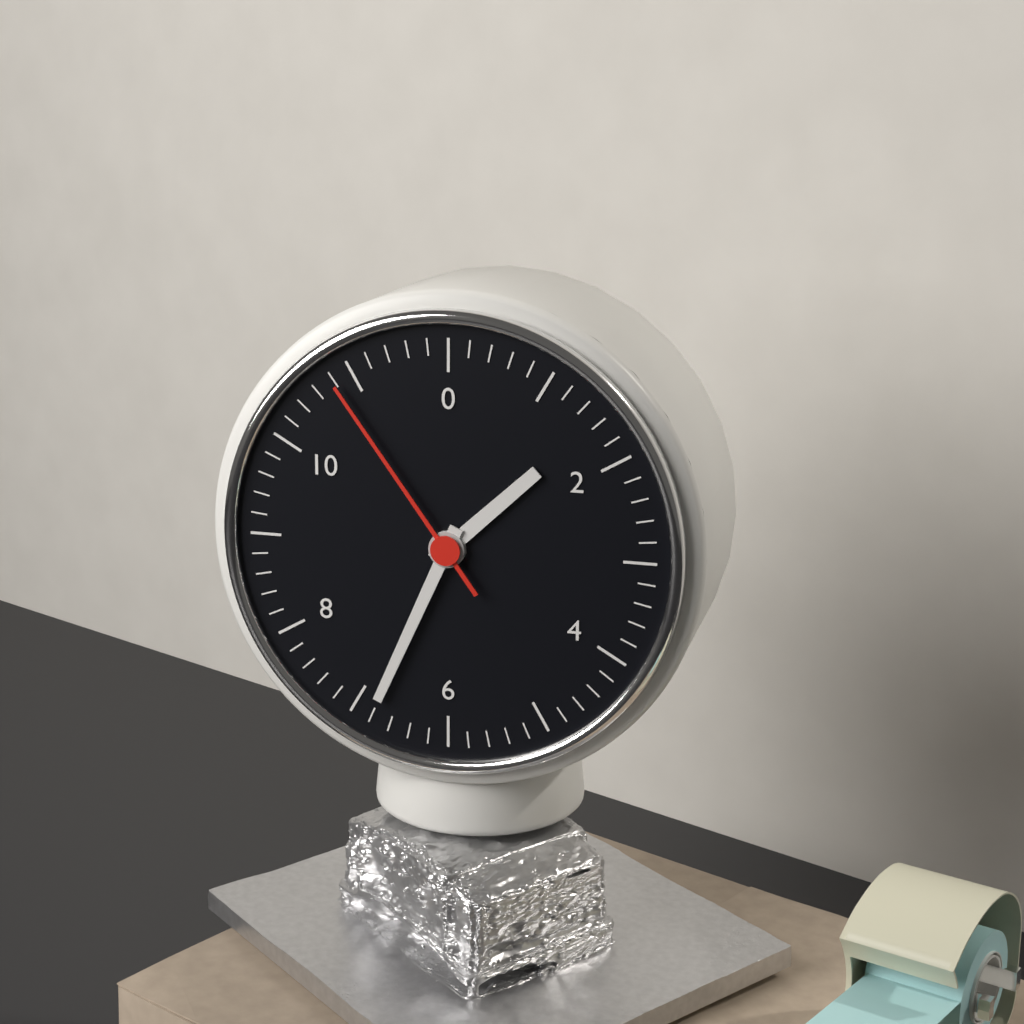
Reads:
h=1 m=34 s=54
